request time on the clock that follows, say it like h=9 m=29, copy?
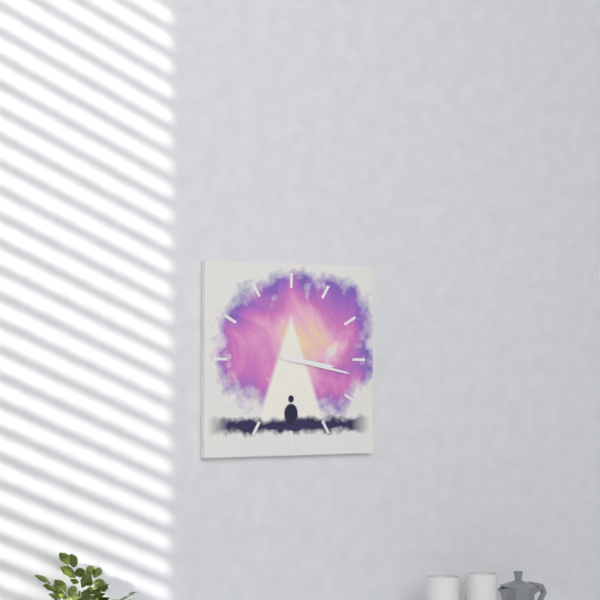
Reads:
h=3 m=17
